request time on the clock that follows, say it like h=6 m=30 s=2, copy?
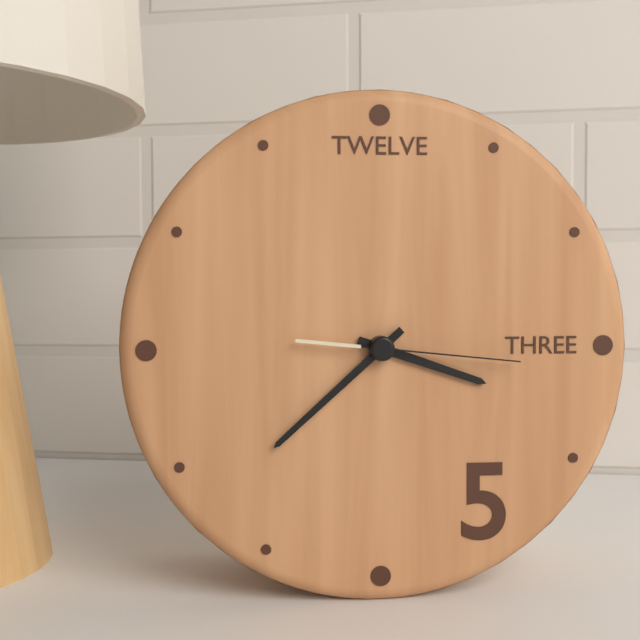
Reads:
h=3 m=38 s=16
